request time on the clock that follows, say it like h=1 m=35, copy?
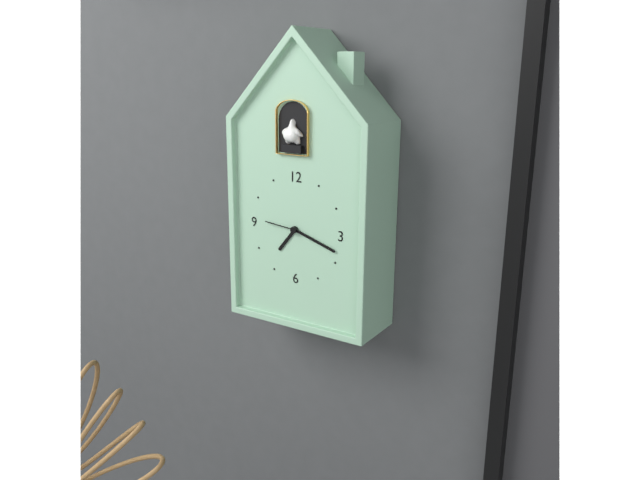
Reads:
h=7 m=18
